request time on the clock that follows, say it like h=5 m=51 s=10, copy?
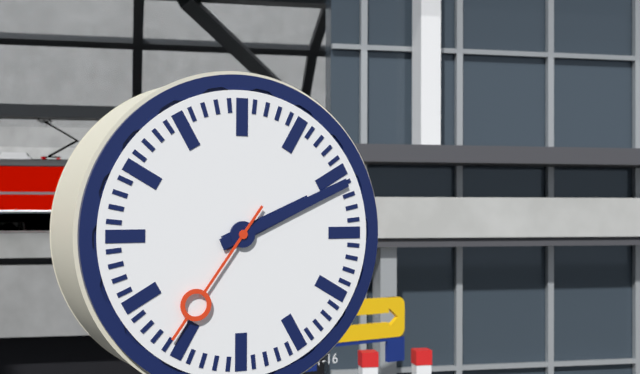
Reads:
h=2 m=11 s=36
